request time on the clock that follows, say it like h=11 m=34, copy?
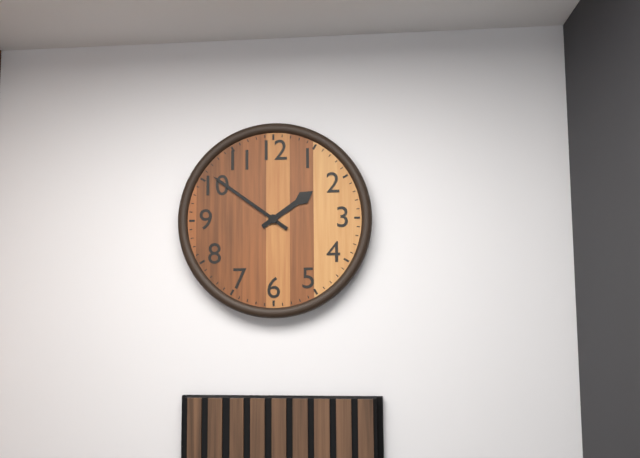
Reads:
h=1 m=51
